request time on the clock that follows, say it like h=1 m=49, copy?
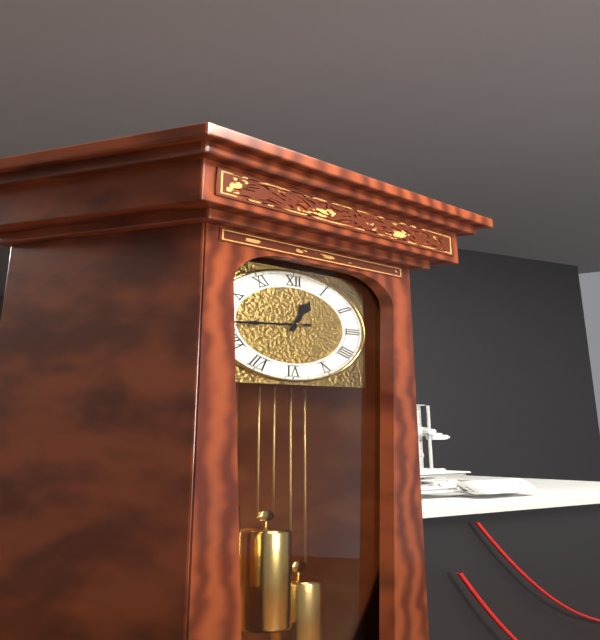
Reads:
h=12 m=44
